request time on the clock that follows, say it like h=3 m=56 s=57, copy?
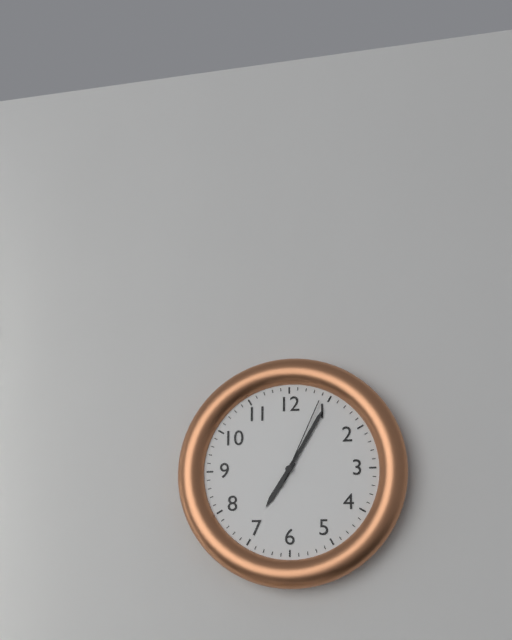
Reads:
h=7 m=5 s=4
